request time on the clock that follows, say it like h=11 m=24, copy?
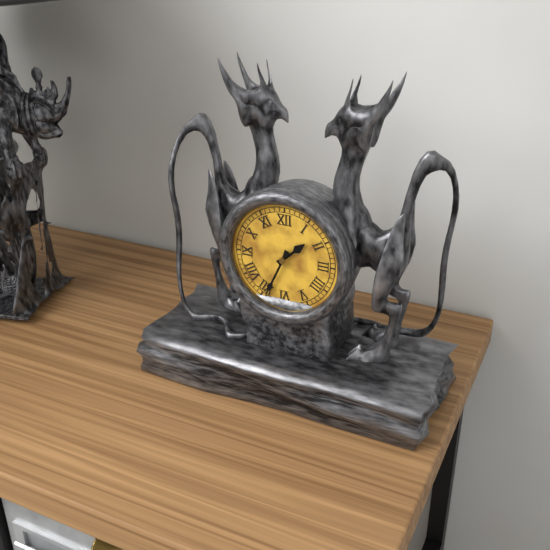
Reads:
h=1 m=34
